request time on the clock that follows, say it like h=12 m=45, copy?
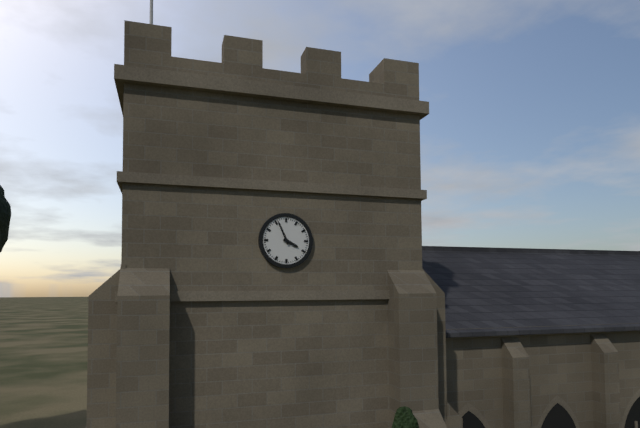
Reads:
h=3 m=56
